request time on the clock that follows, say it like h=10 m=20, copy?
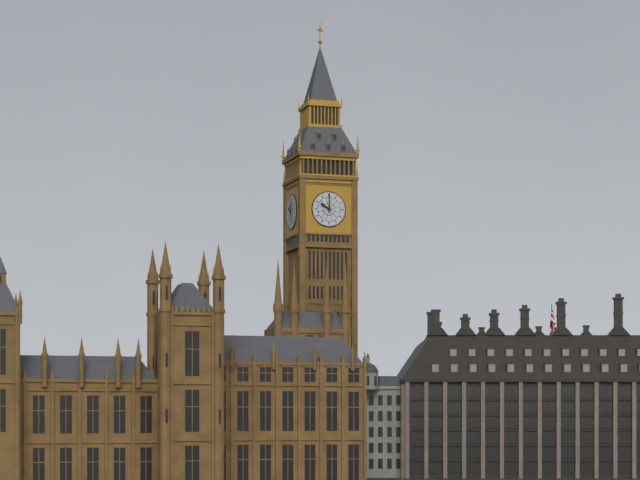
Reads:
h=10 m=0
